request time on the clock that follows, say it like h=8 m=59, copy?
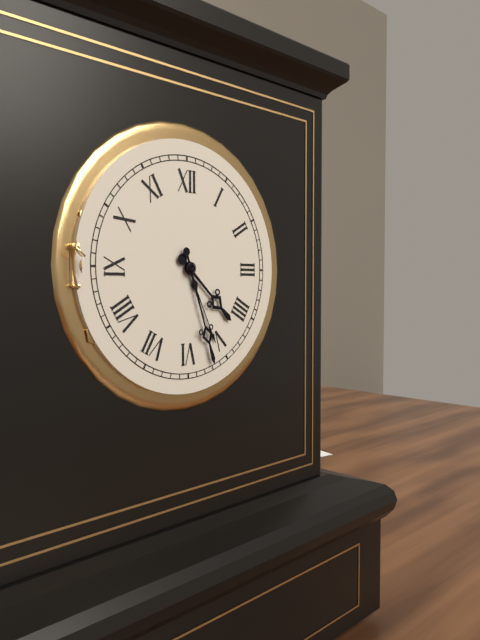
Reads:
h=4 m=27
